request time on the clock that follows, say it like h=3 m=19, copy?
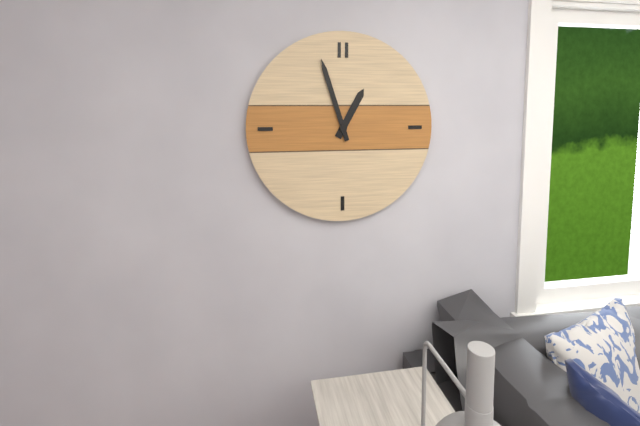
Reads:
h=12 m=57
